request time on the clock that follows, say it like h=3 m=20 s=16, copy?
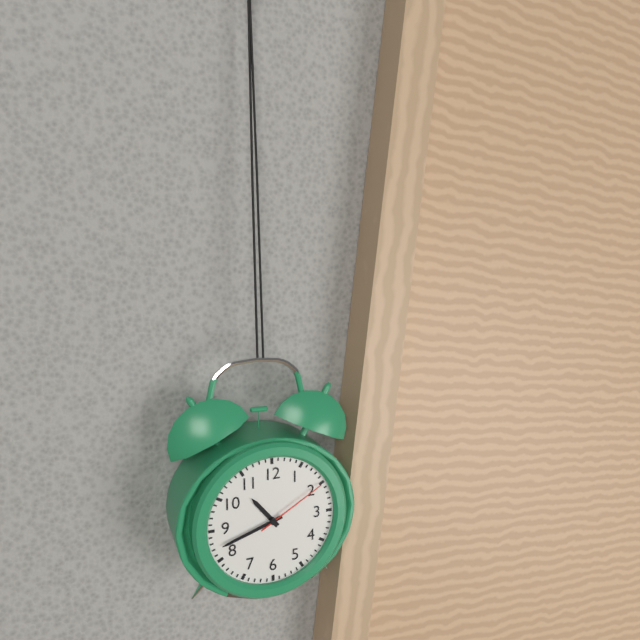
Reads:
h=10 m=42 s=10
